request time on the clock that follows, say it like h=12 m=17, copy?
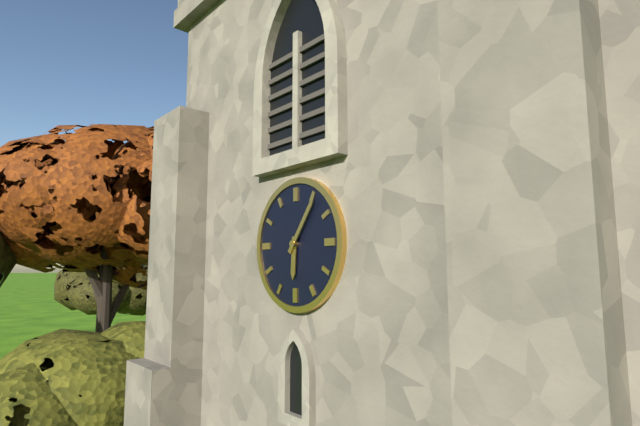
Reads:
h=6 m=6
